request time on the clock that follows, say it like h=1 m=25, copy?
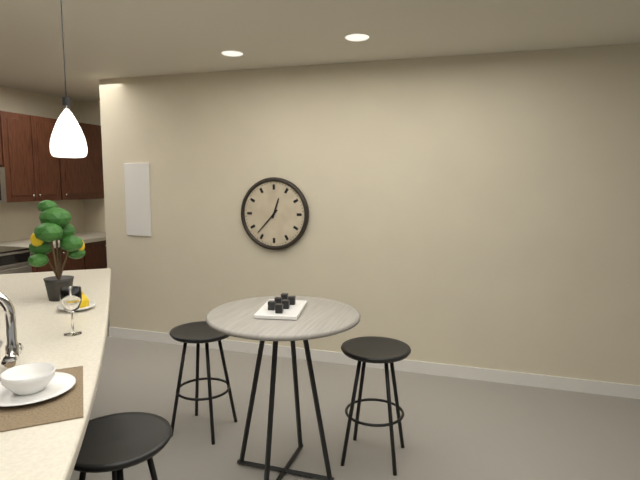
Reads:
h=12 m=37
